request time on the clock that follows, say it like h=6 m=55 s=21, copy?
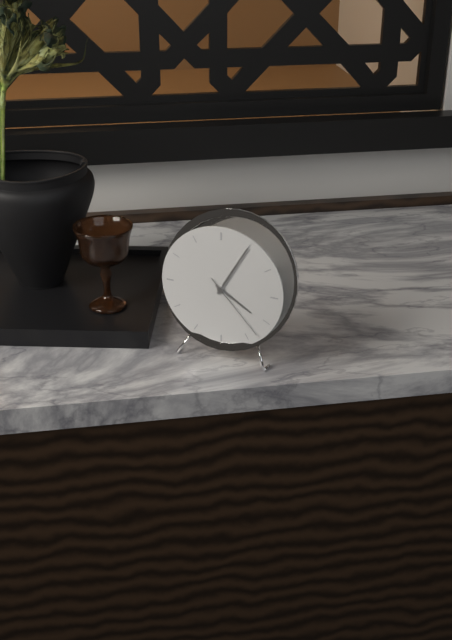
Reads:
h=4 m=5 s=23
